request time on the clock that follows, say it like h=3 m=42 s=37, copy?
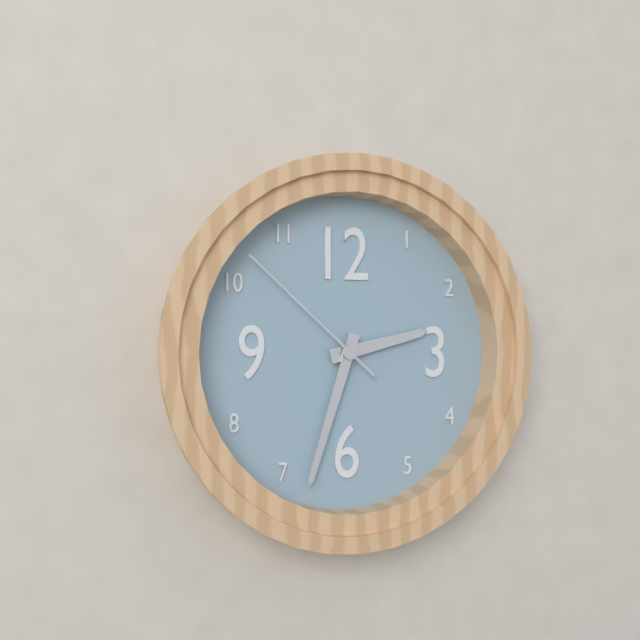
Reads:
h=2 m=33 s=52
